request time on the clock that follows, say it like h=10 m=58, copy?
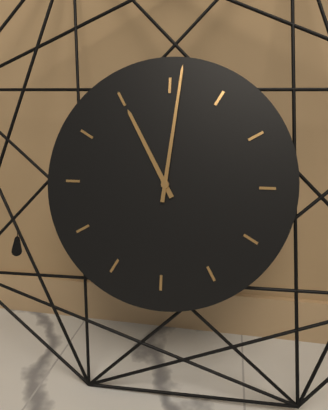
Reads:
h=11 m=1
